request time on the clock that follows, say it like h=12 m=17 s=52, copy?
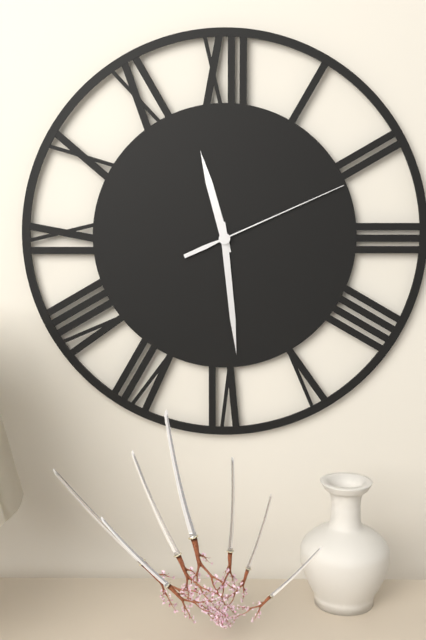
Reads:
h=11 m=29 s=11
